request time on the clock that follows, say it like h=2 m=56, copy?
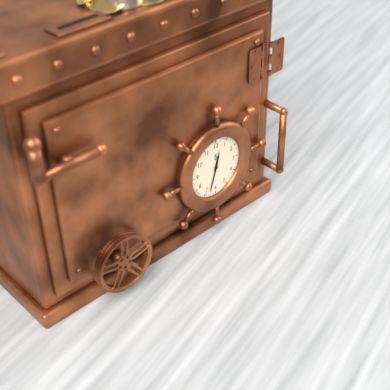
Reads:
h=12 m=33
